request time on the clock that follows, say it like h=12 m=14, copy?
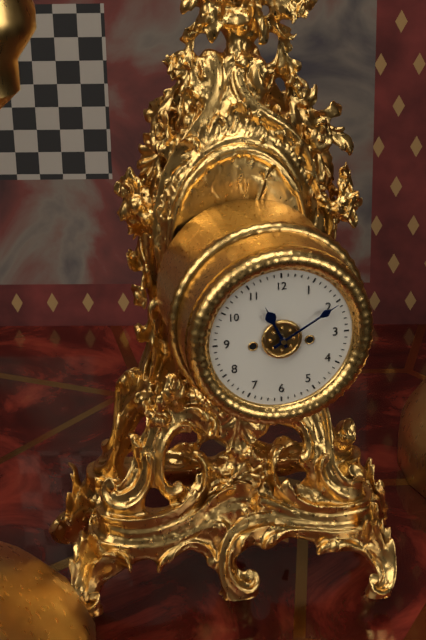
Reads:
h=11 m=10
